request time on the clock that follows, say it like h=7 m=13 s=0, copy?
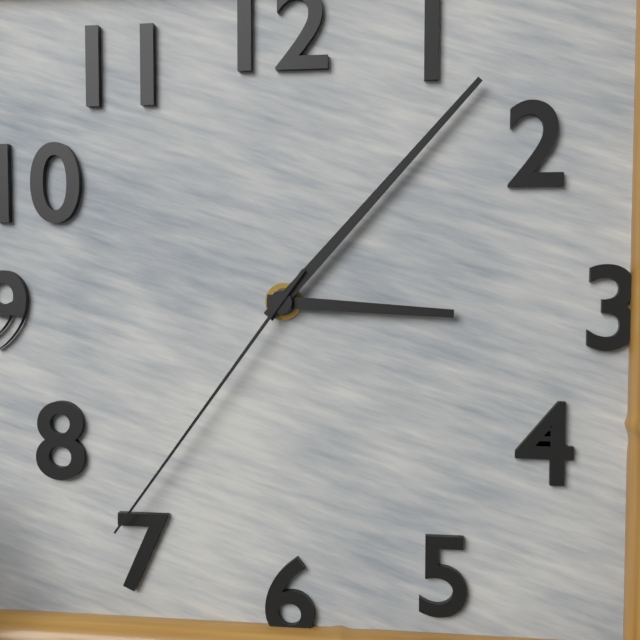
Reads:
h=3 m=7 s=36
